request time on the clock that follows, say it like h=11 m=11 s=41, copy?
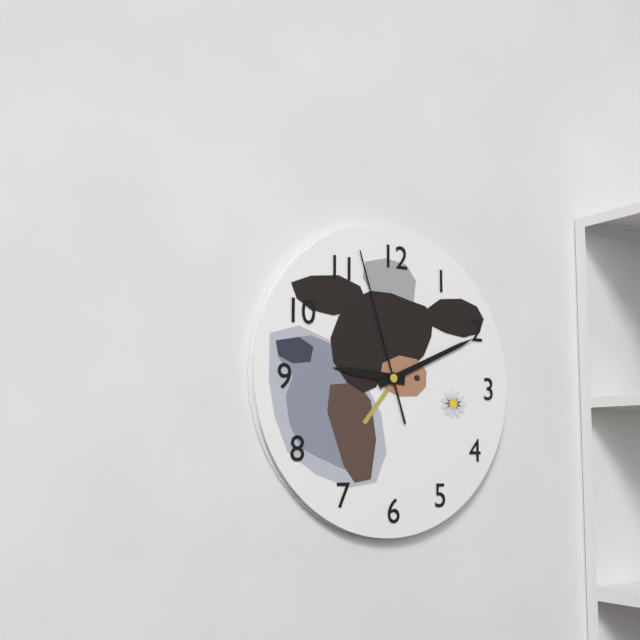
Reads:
h=9 m=11 s=57
